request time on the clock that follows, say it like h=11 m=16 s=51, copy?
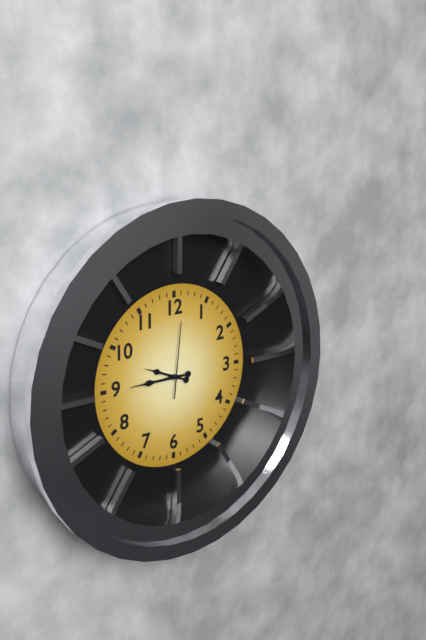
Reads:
h=9 m=45 s=1
